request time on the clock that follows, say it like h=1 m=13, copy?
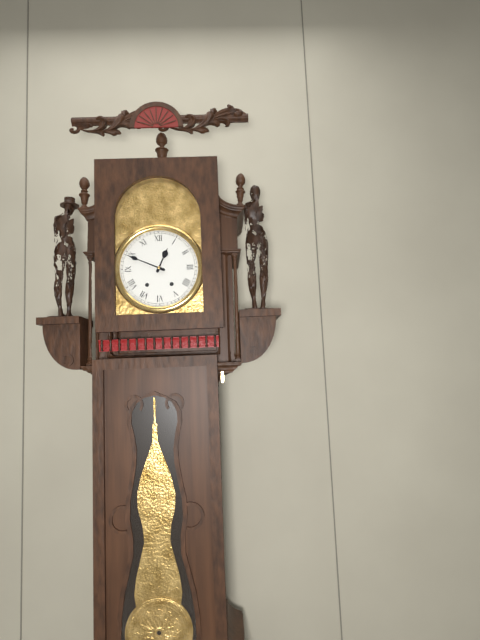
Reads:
h=12 m=49
